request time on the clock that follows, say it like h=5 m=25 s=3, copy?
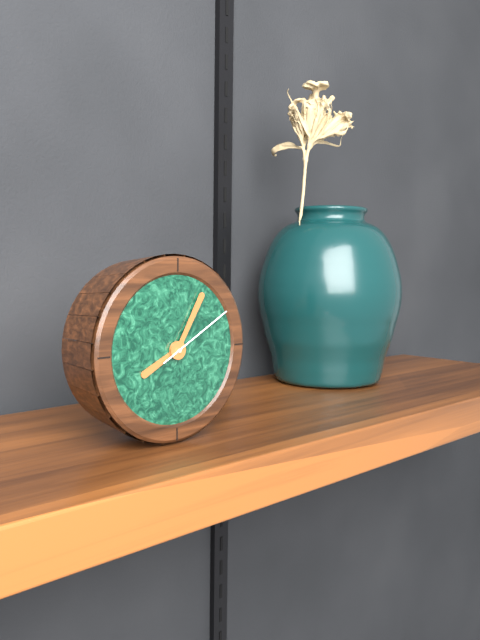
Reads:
h=8 m=5 s=10
